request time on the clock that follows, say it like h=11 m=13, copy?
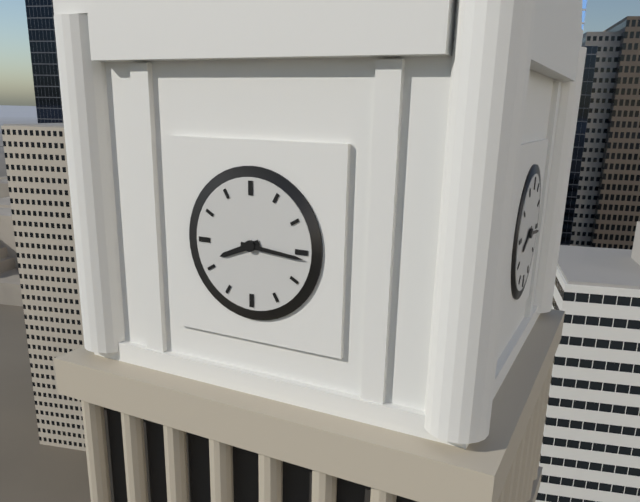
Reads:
h=8 m=16
